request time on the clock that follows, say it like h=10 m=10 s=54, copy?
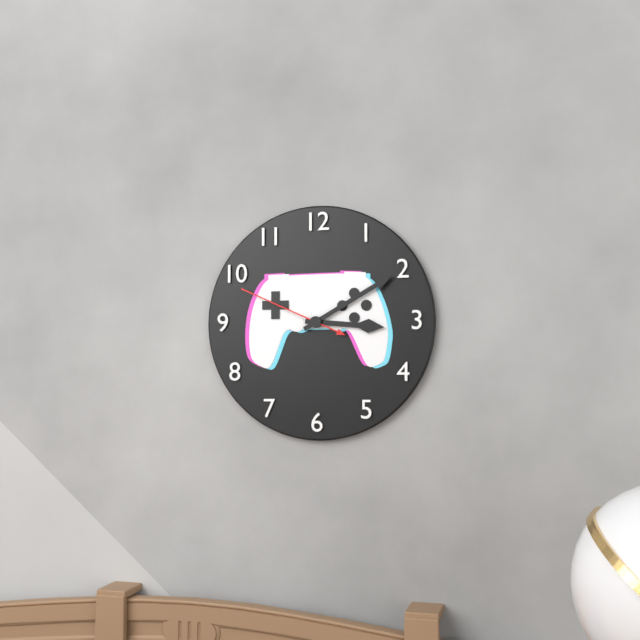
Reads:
h=3 m=10 s=49
